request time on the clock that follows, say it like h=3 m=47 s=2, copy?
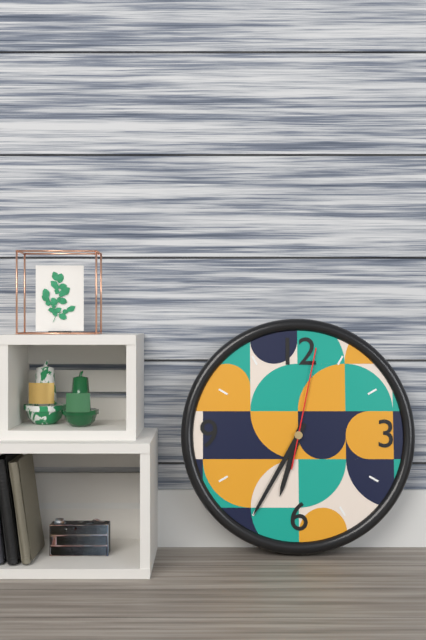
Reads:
h=6 m=35 s=2
